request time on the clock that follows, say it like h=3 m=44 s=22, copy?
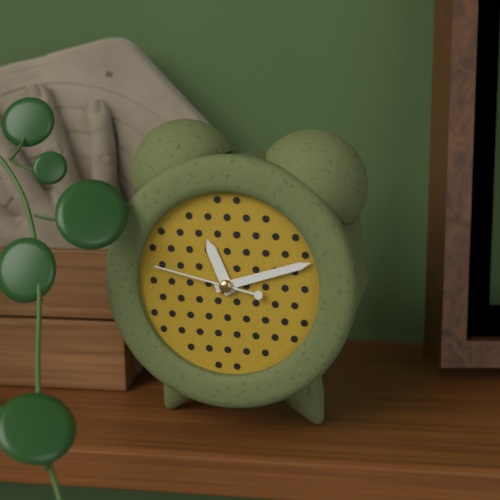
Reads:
h=11 m=12 s=47
